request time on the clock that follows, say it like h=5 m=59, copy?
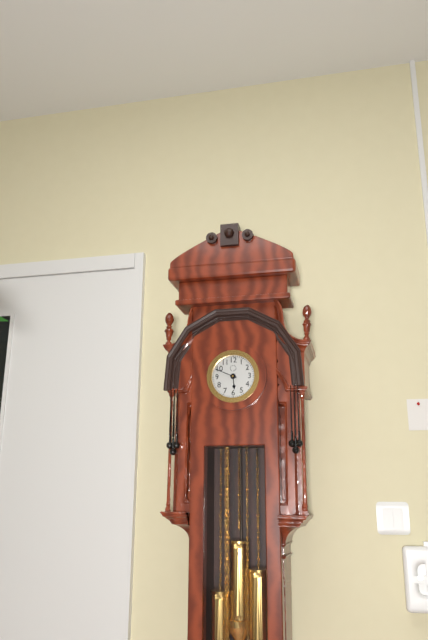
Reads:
h=5 m=49
